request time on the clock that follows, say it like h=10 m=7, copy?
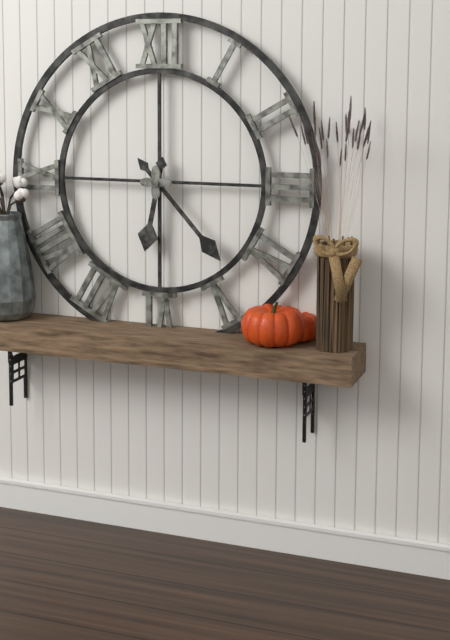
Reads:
h=6 m=23
